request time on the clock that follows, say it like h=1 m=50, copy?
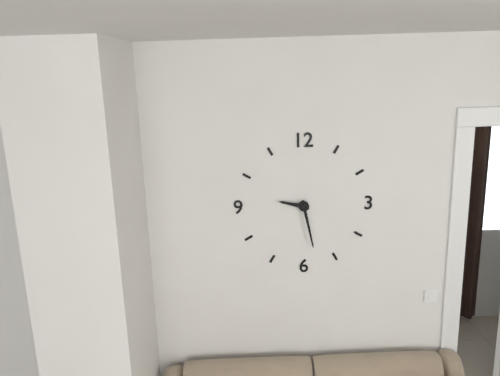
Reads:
h=9 m=28
